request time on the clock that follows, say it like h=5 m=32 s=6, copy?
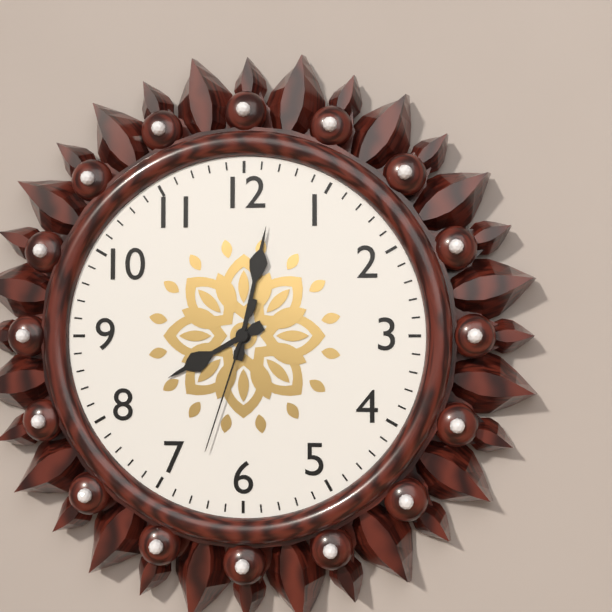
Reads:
h=8 m=2 s=33
